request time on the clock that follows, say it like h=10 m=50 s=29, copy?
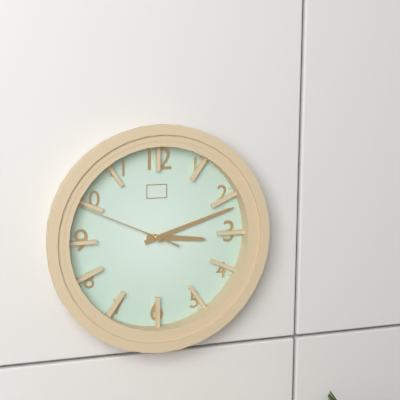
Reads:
h=3 m=12 s=49
